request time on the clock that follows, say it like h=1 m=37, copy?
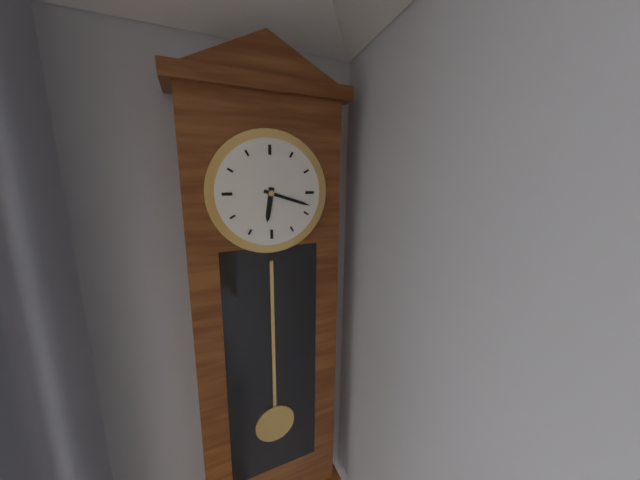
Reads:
h=6 m=18
